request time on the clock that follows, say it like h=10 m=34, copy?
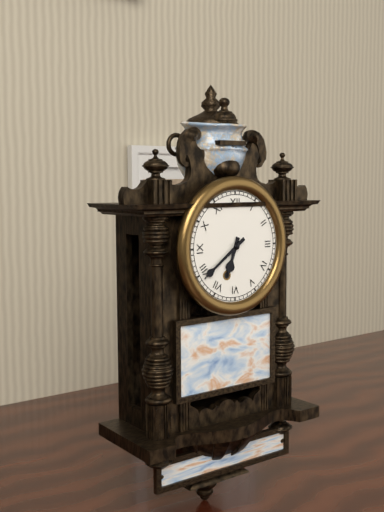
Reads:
h=6 m=39
